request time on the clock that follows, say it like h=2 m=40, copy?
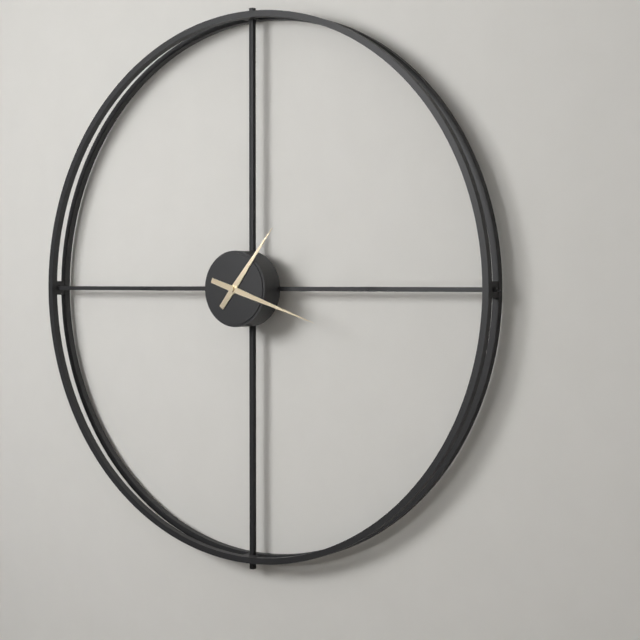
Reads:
h=1 m=18
